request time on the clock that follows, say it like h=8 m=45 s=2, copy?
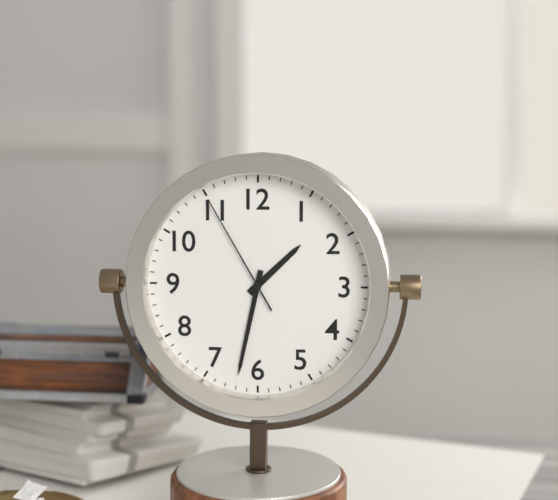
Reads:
h=1 m=32 s=55
